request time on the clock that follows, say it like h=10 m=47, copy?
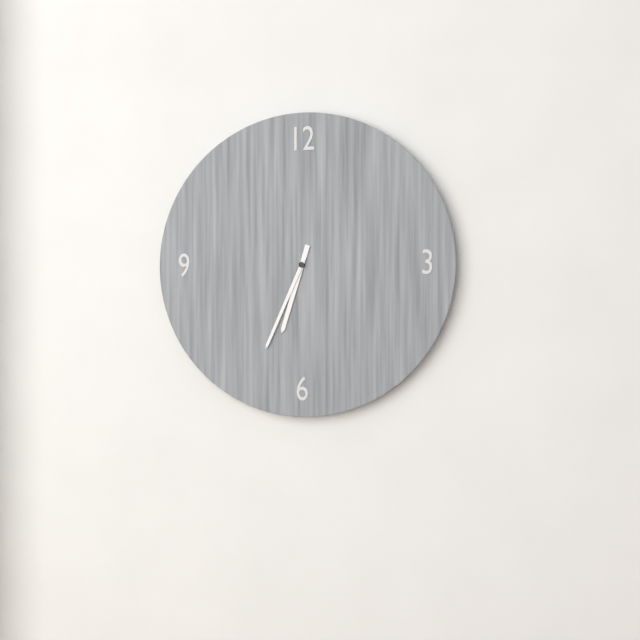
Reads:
h=6 m=34
